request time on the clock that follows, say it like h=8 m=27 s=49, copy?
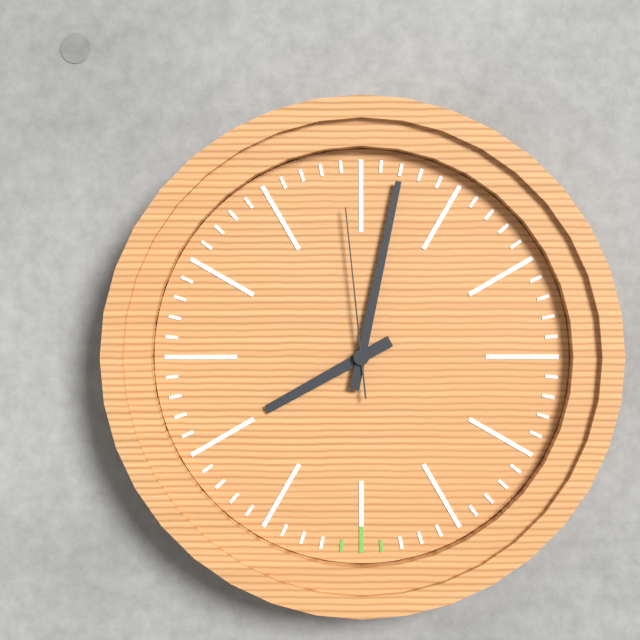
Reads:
h=8 m=2 s=59
